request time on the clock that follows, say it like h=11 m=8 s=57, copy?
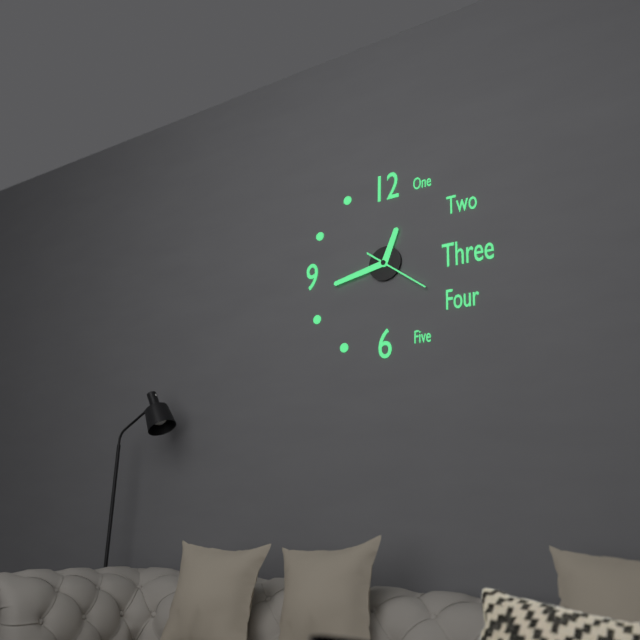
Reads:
h=12 m=43 s=21
